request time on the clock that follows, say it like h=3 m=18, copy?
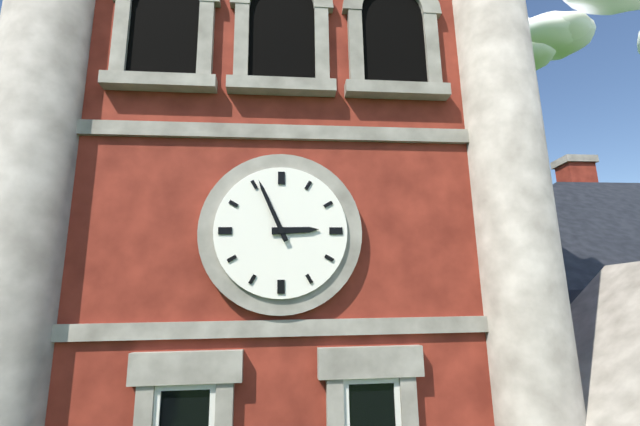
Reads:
h=2 m=56
